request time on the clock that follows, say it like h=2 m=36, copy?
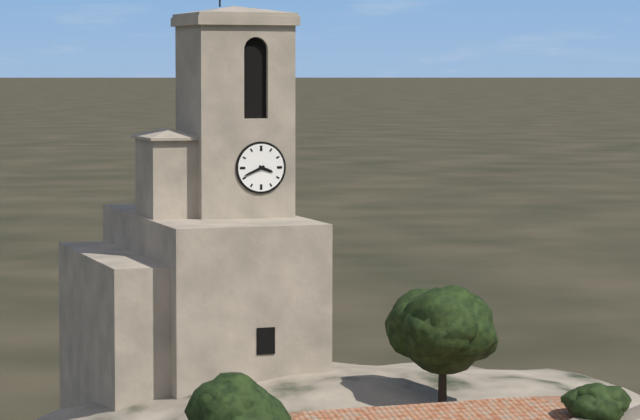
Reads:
h=3 m=41
